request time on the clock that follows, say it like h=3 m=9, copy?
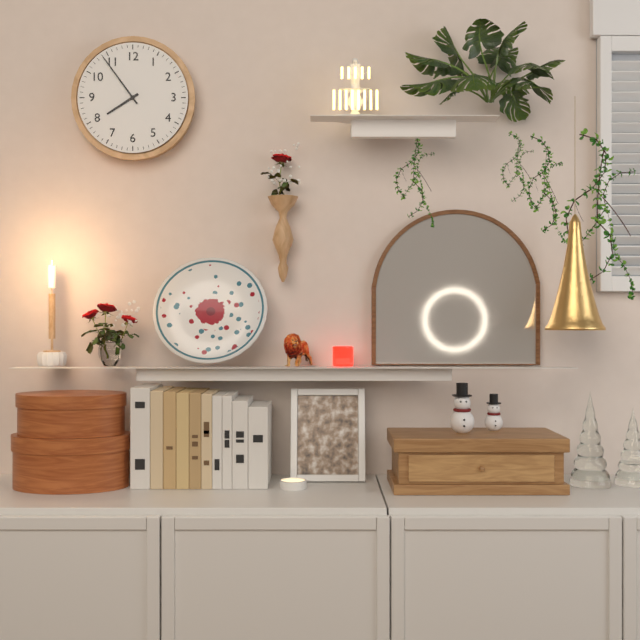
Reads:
h=7 m=54
